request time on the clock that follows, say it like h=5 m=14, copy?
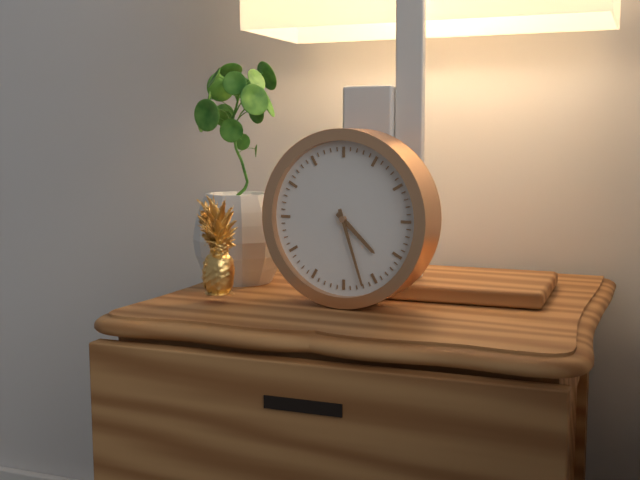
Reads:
h=4 m=27
